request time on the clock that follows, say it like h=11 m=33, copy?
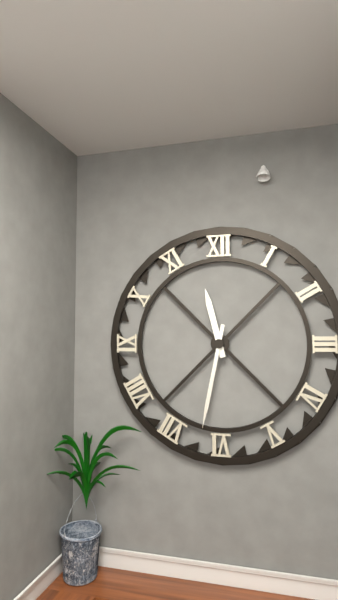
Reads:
h=11 m=32
